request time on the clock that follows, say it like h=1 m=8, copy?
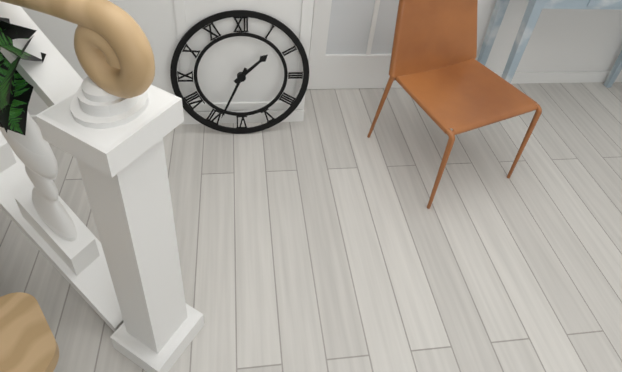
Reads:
h=1 m=34
